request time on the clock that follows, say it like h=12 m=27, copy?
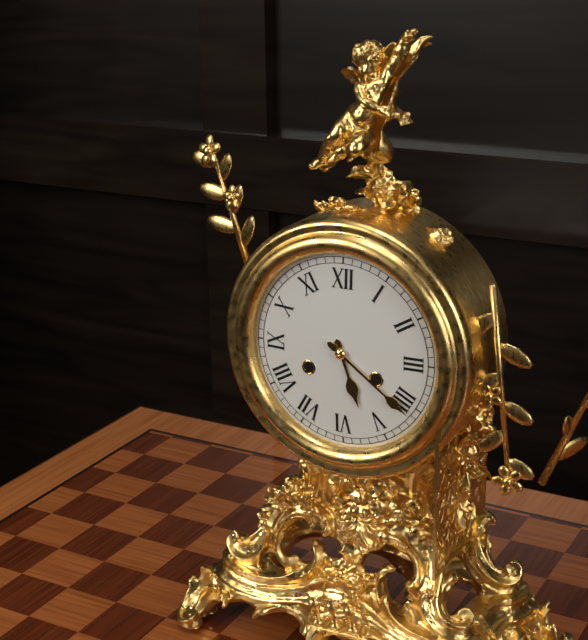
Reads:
h=5 m=21
